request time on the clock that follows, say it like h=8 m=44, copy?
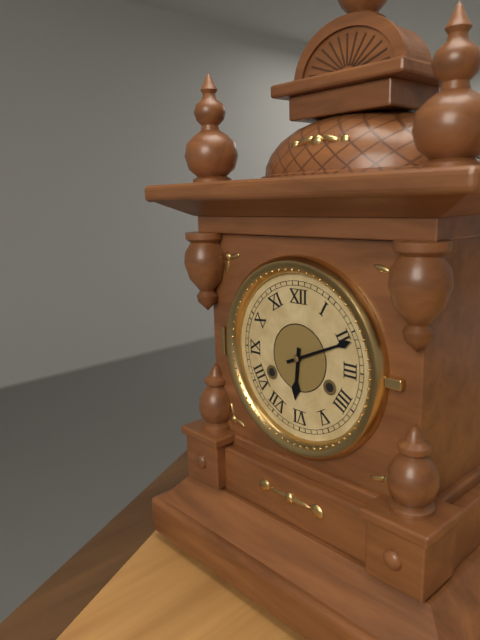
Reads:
h=6 m=11
